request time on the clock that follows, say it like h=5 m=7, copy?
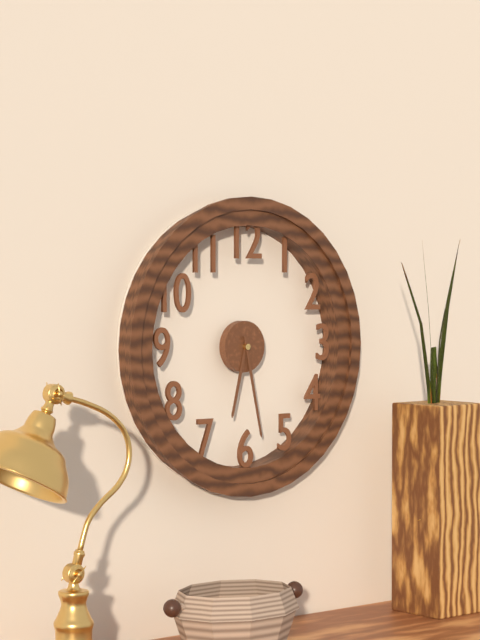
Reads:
h=6 m=28
